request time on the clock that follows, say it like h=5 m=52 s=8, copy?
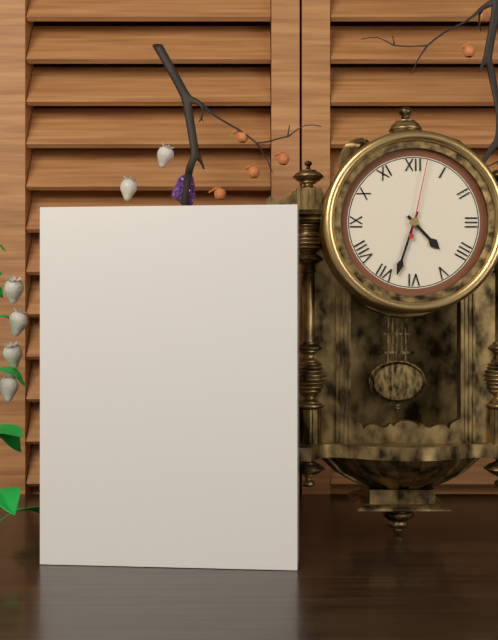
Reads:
h=4 m=33 s=2
